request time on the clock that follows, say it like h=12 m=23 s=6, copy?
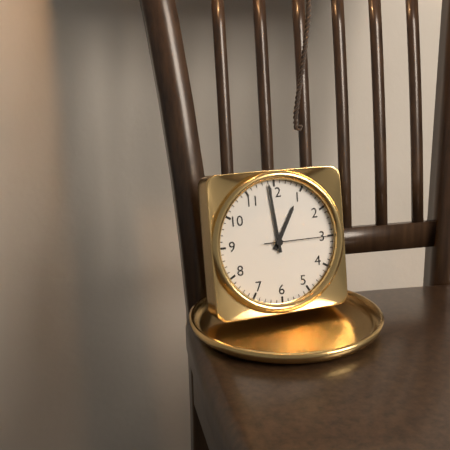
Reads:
h=12 m=59 s=15
